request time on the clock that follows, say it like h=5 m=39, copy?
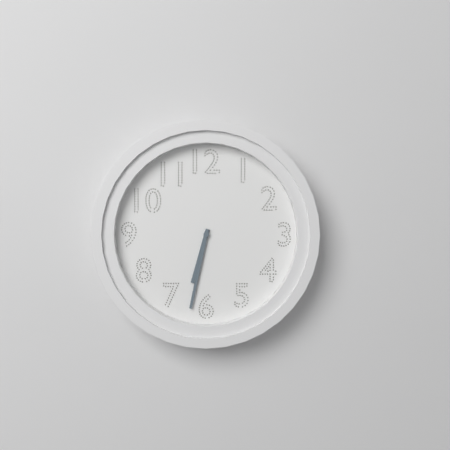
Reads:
h=6 m=32
